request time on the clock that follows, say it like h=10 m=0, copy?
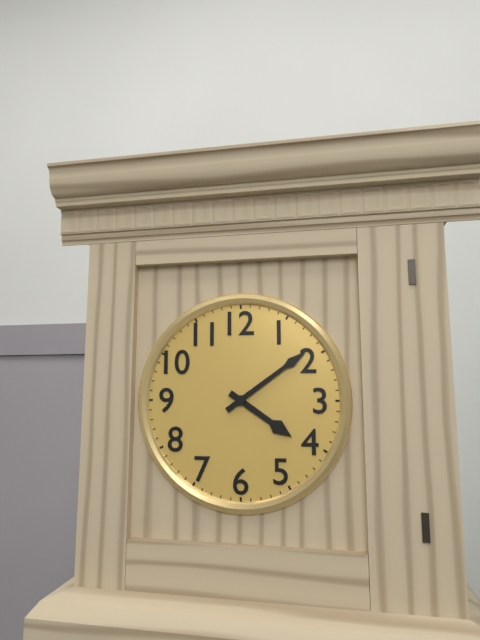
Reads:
h=4 m=9
